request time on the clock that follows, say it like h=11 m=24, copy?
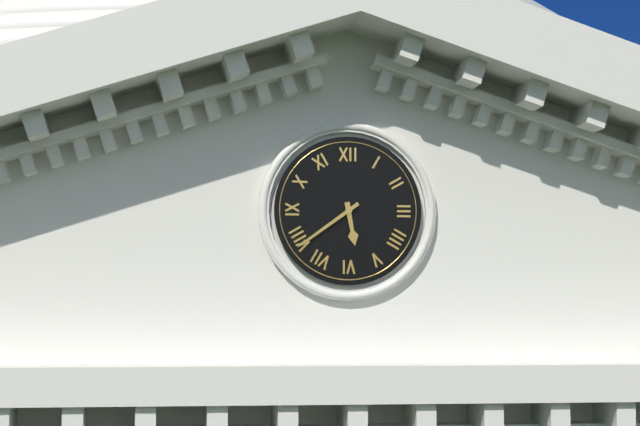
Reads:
h=5 m=39
